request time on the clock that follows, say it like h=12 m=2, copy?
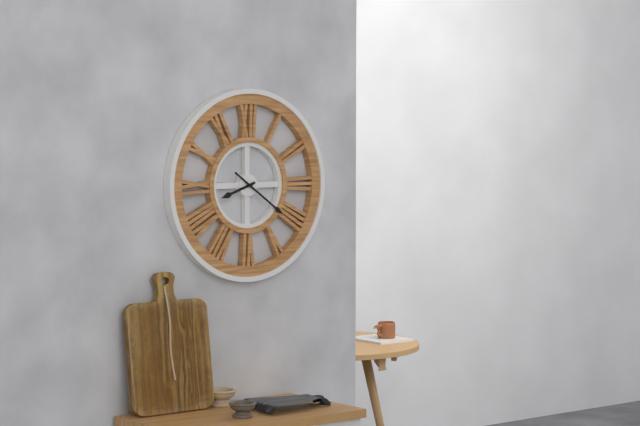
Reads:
h=8 m=21
